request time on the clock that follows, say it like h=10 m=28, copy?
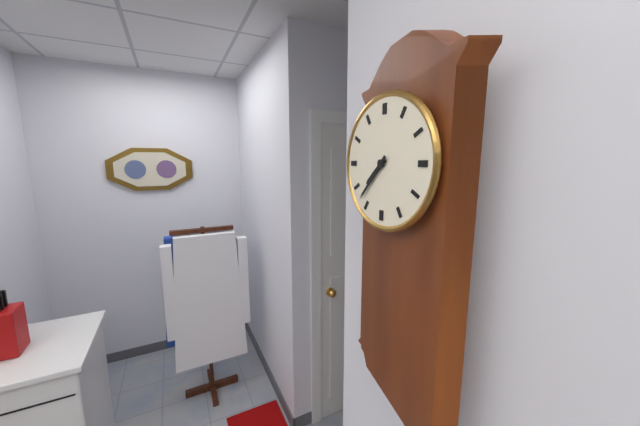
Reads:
h=7 m=37
